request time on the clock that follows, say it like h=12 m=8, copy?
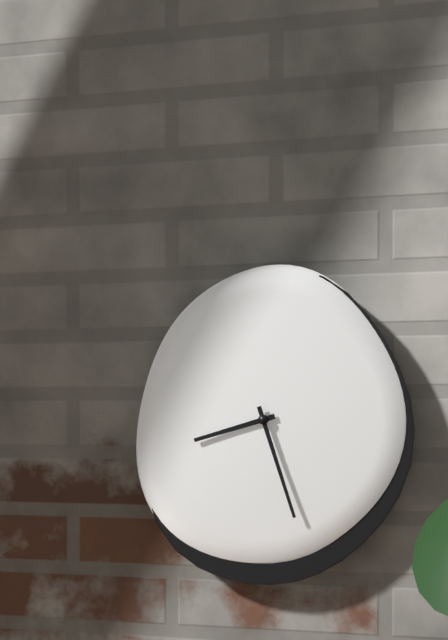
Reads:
h=8 m=27
